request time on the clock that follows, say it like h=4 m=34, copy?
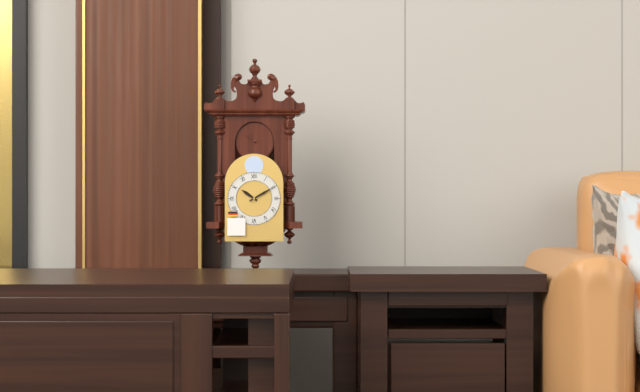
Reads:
h=10 m=10
